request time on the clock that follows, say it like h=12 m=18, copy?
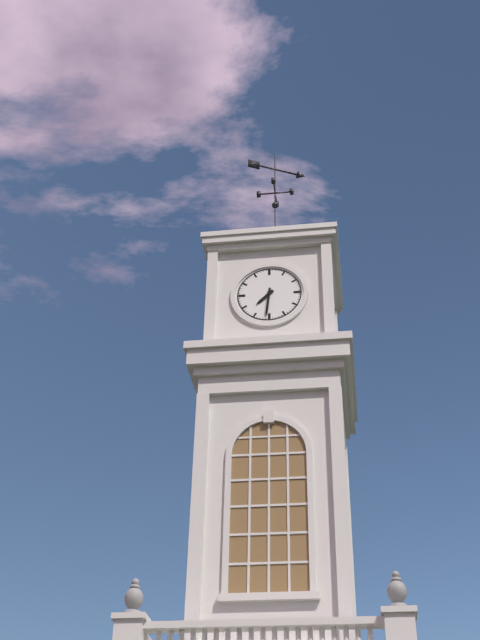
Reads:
h=7 m=31
